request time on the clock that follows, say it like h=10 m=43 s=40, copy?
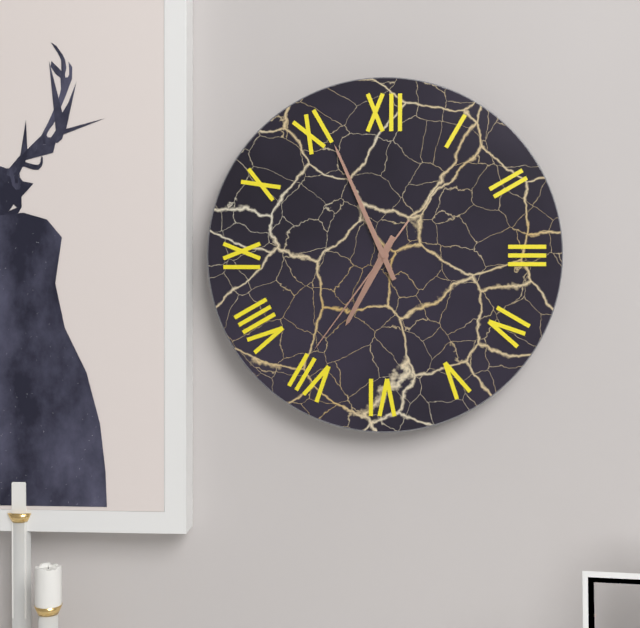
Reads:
h=6 m=56 s=36
